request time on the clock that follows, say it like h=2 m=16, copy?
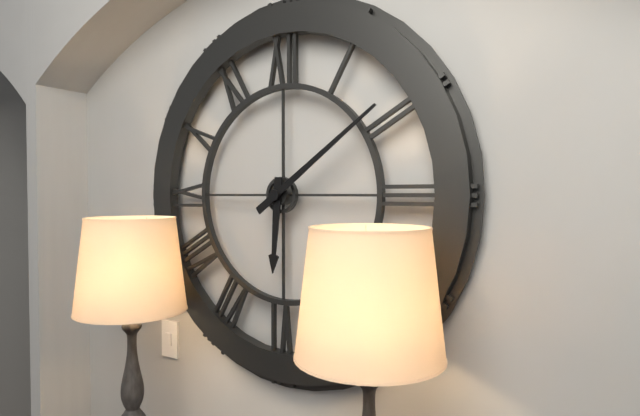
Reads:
h=6 m=9
